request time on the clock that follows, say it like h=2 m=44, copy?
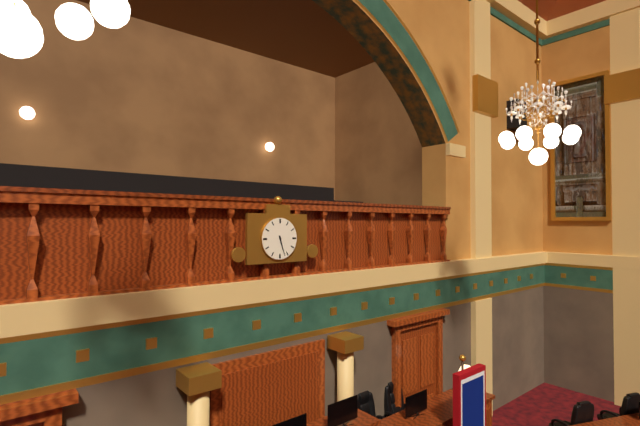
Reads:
h=5 m=27
